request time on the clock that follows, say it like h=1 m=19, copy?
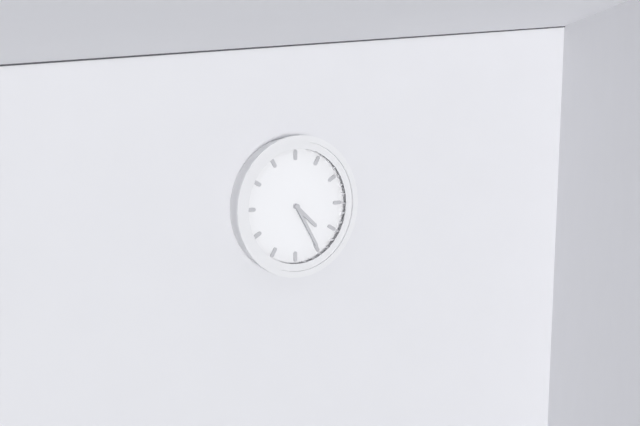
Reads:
h=4 m=25
